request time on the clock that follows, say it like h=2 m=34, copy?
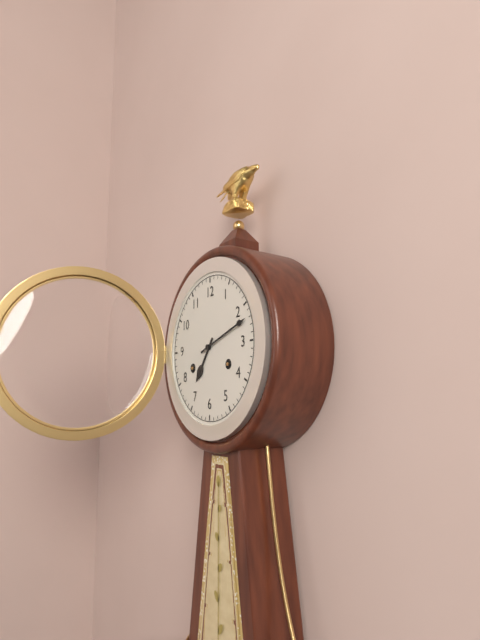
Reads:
h=7 m=12
